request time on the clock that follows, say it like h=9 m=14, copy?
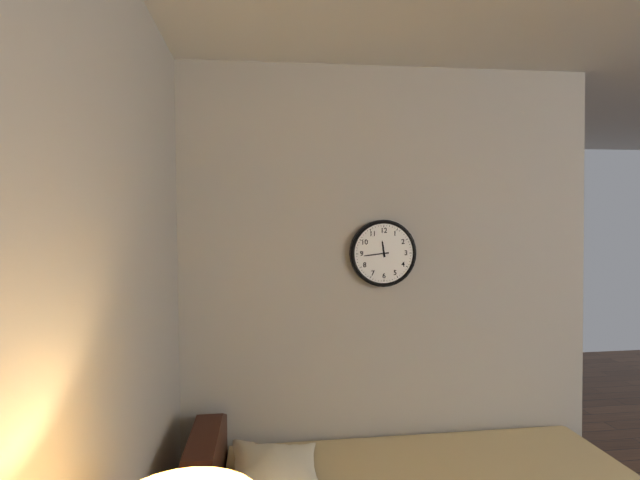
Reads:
h=11 m=44
